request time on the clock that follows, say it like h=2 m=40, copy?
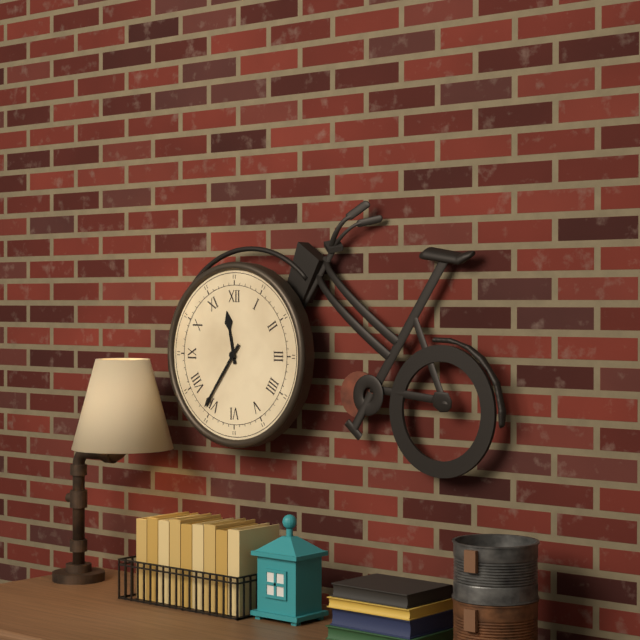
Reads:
h=11 m=36
